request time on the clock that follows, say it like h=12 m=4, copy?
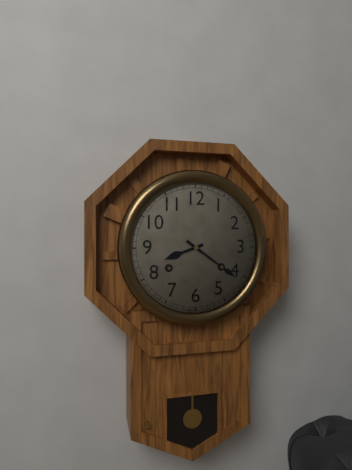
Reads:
h=8 m=21
